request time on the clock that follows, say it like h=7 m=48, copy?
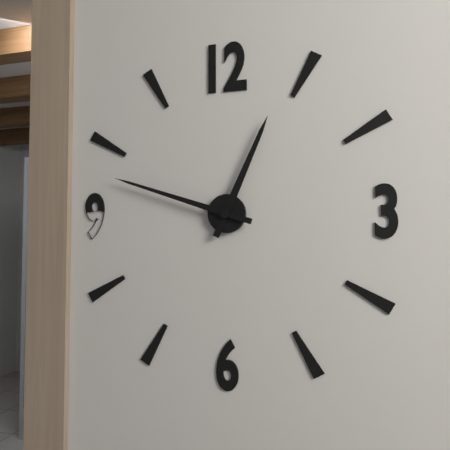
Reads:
h=12 m=48
